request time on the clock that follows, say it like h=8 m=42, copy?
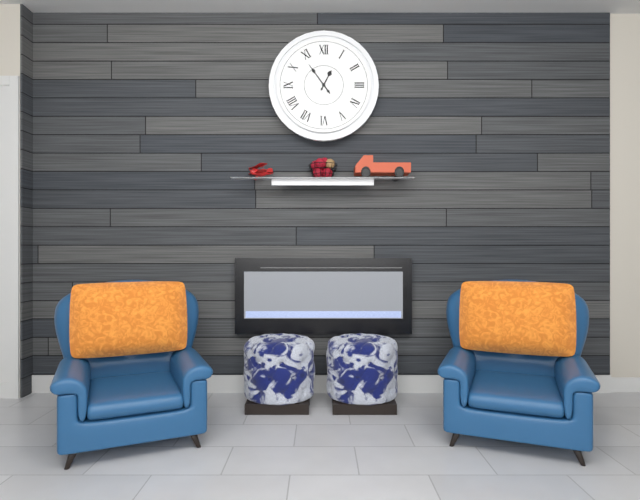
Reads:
h=12 m=54
